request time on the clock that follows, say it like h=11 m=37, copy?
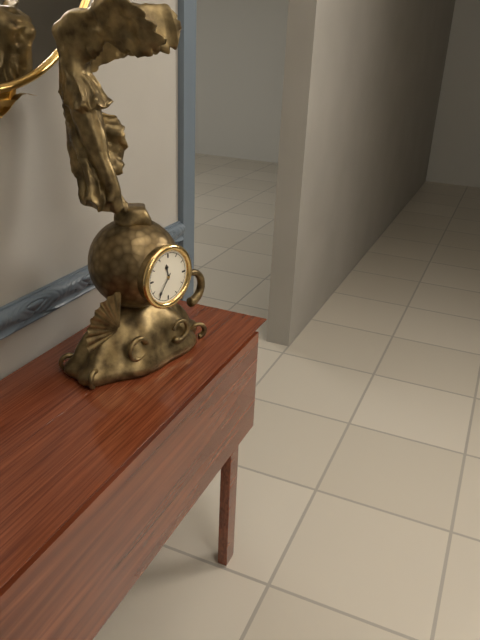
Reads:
h=11 m=36
